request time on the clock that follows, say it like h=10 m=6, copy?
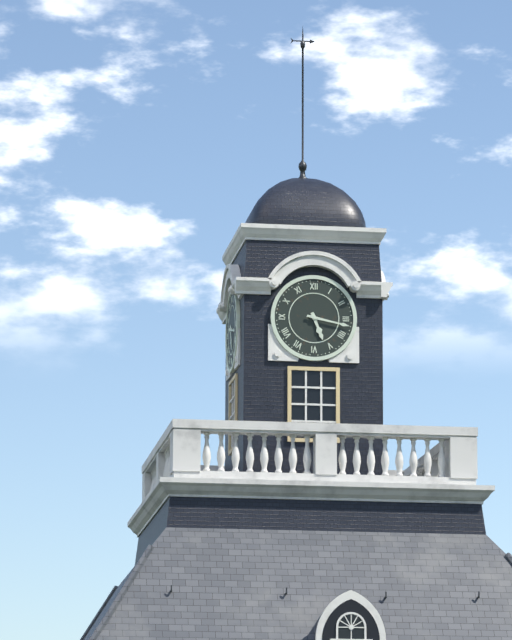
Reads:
h=5 m=17
